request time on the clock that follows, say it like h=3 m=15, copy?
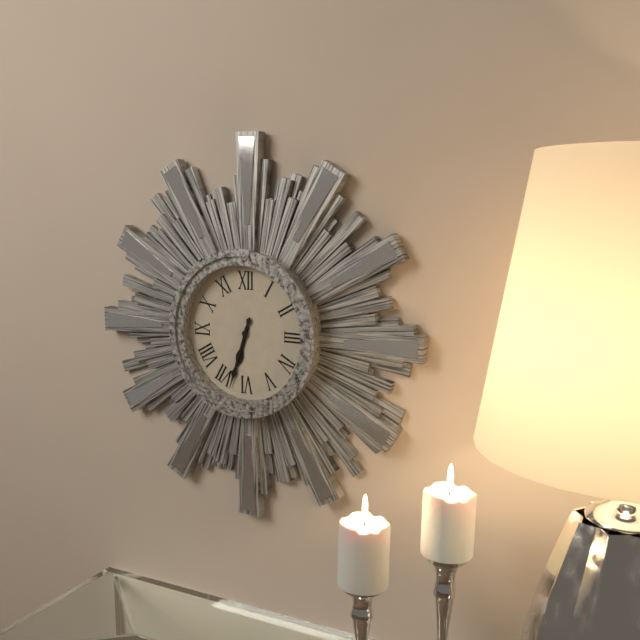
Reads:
h=6 m=33
